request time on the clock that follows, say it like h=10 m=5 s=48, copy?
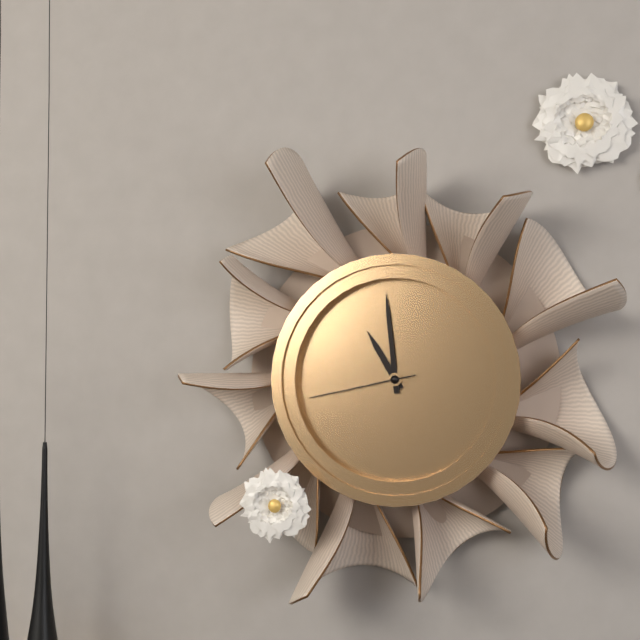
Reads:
h=10 m=59 s=43
